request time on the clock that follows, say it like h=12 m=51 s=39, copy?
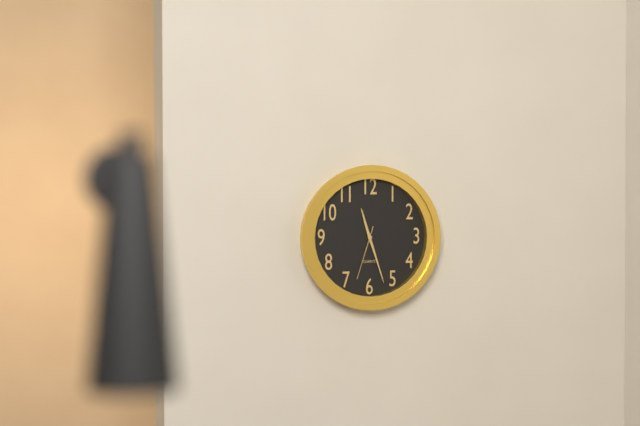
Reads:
h=11 m=27 s=33
